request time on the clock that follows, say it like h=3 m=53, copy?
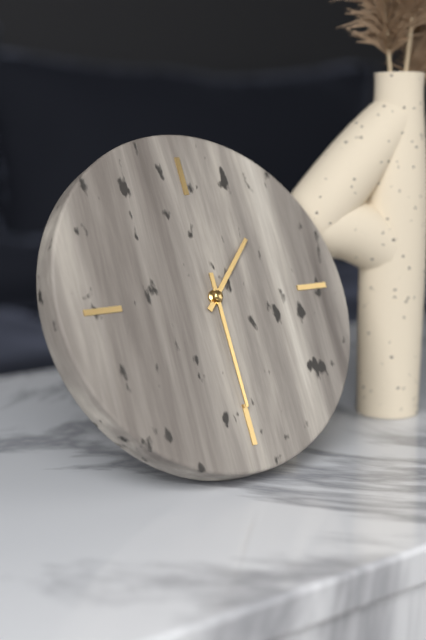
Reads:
h=1 m=30
